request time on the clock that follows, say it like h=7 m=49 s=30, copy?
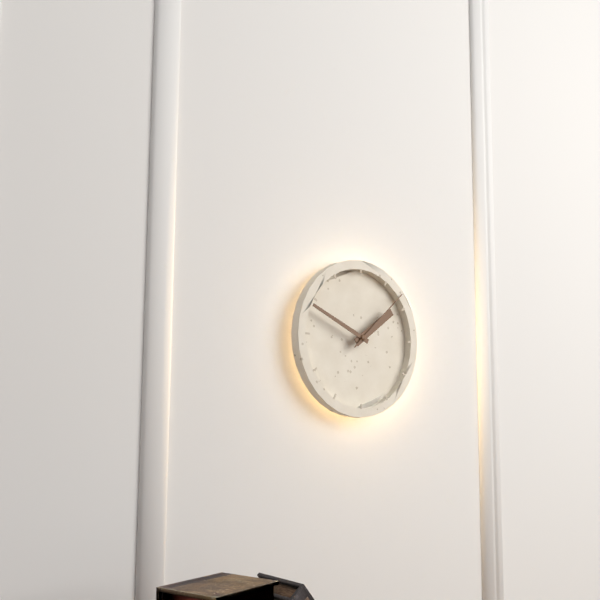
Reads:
h=1 m=49 s=8
